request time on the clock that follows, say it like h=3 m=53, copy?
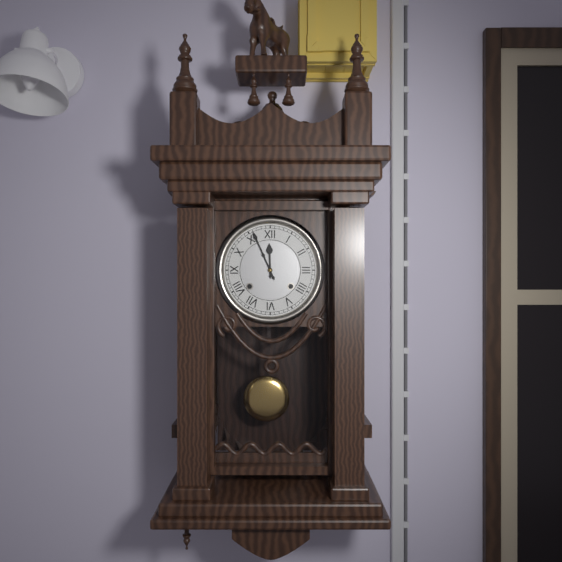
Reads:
h=11 m=56
